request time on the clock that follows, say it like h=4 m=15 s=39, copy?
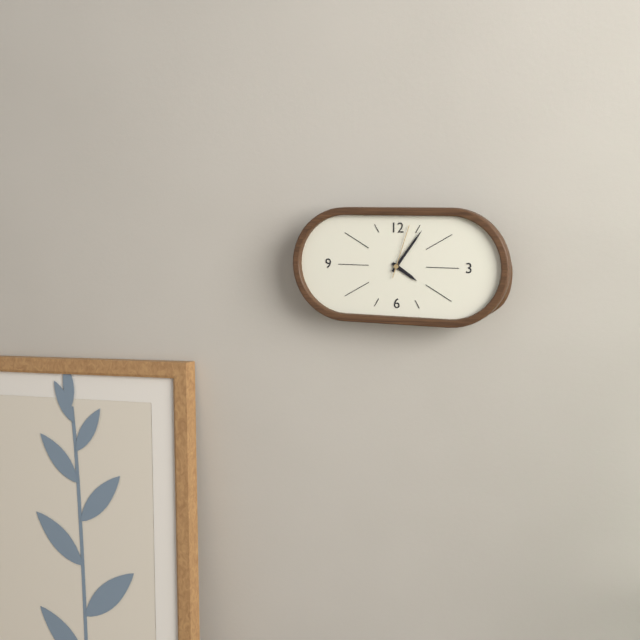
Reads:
h=4 m=6 s=3
